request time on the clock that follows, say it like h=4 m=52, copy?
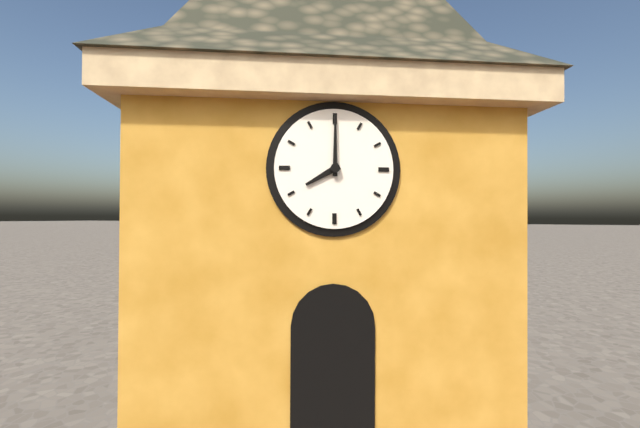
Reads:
h=8 m=0
